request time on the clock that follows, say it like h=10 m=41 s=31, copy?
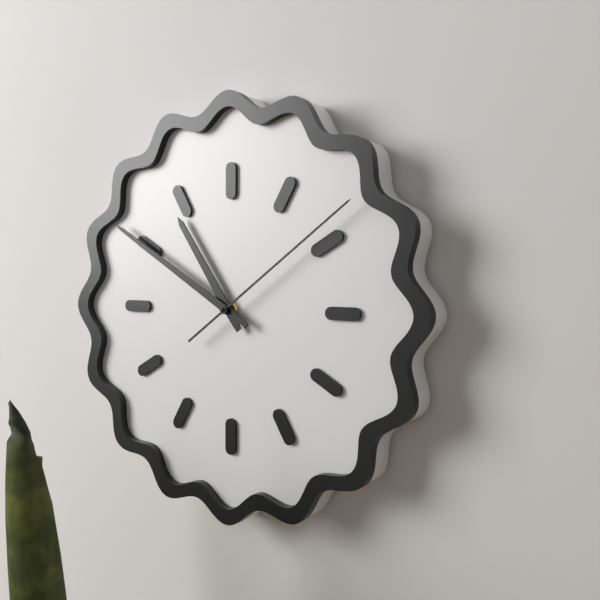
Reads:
h=10 m=50 s=9
